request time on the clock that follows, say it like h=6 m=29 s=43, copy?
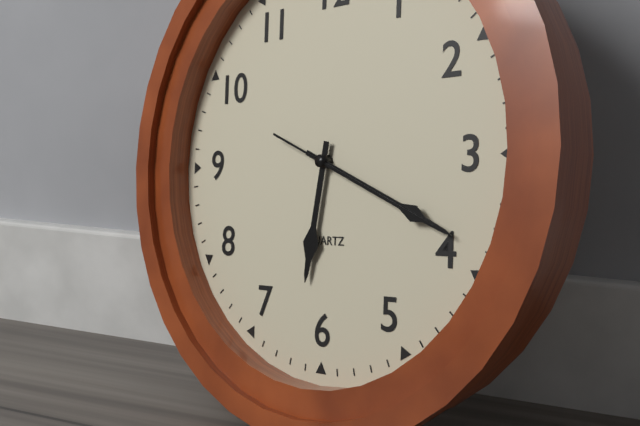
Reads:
h=6 m=19 s=19
